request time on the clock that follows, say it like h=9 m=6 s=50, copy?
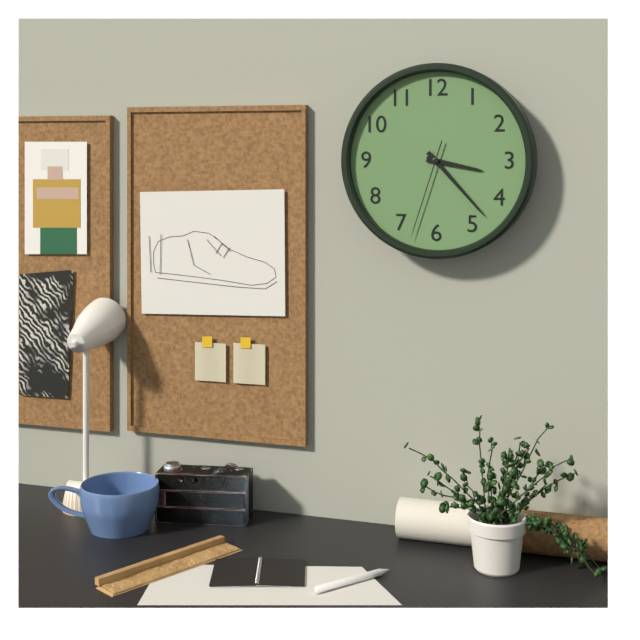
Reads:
h=3 m=23 s=33
